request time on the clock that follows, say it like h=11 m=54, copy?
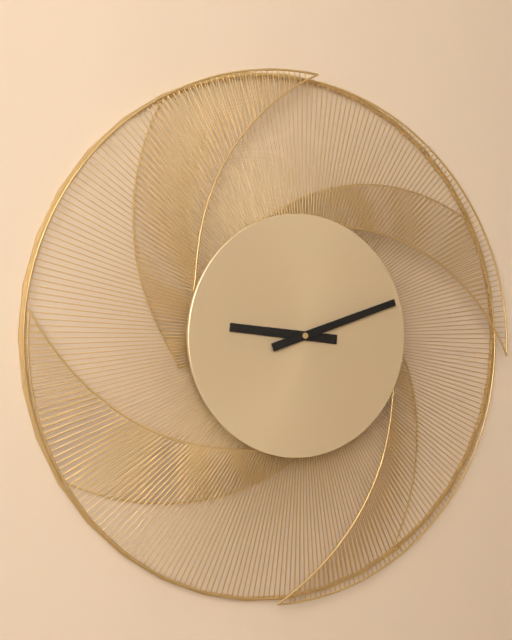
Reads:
h=9 m=12
